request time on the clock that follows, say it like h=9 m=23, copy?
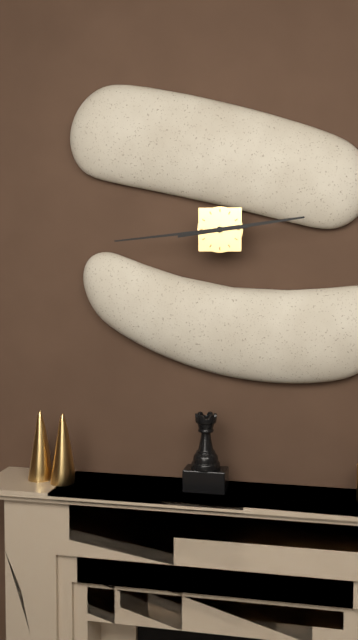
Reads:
h=2 m=44
